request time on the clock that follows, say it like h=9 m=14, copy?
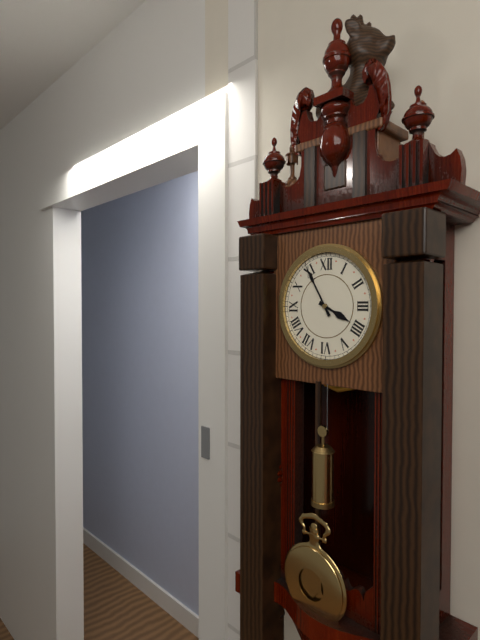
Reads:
h=3 m=55
